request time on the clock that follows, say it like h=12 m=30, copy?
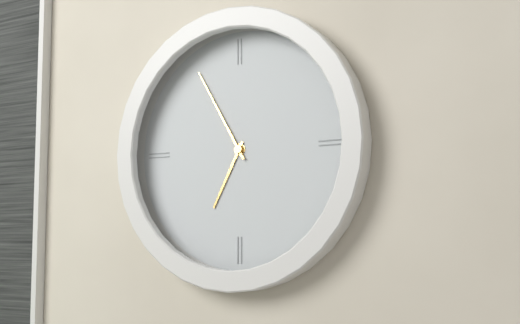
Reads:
h=6 m=55
